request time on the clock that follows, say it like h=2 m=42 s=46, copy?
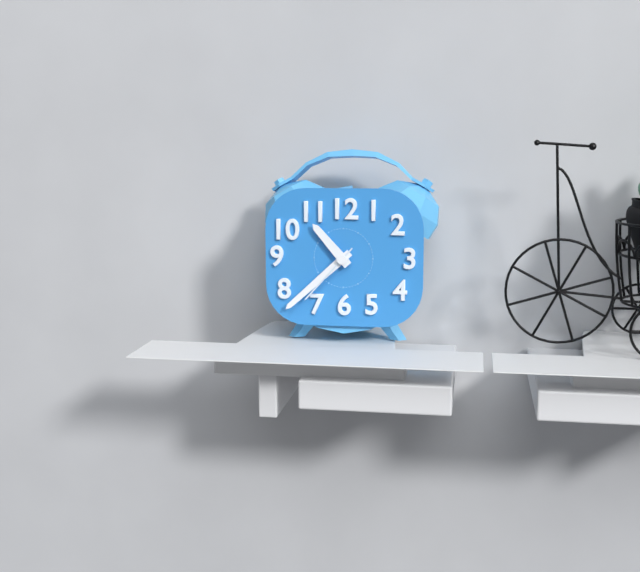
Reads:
h=10 m=38 s=37
